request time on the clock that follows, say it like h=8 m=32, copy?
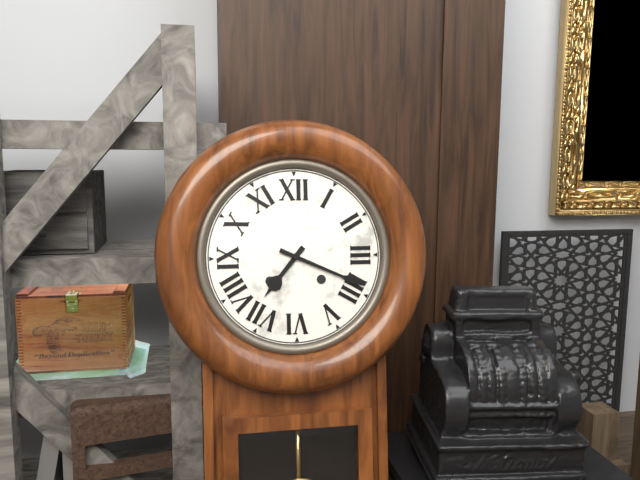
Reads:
h=7 m=19
